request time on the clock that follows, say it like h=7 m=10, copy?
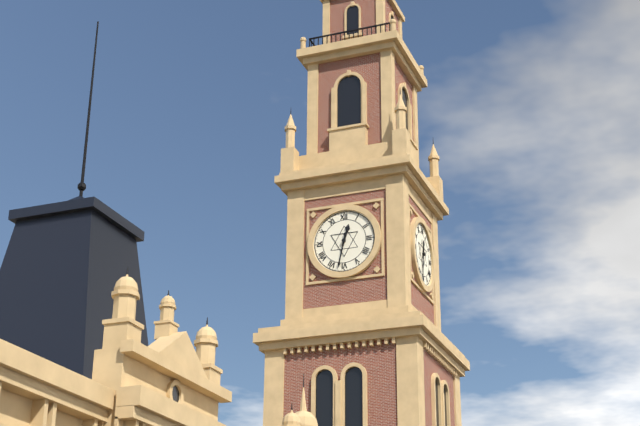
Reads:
h=12 m=32
